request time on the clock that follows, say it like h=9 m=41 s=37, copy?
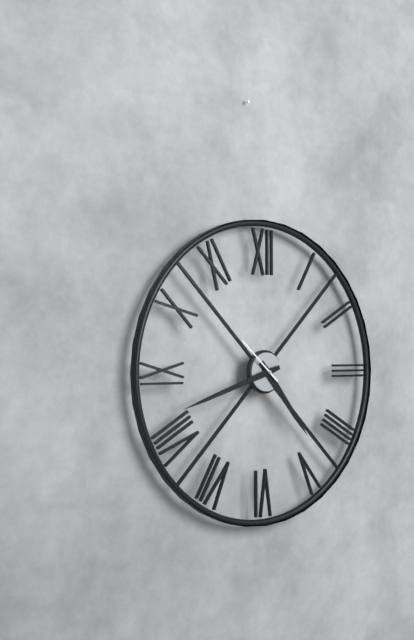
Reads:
h=4 m=42 s=52
